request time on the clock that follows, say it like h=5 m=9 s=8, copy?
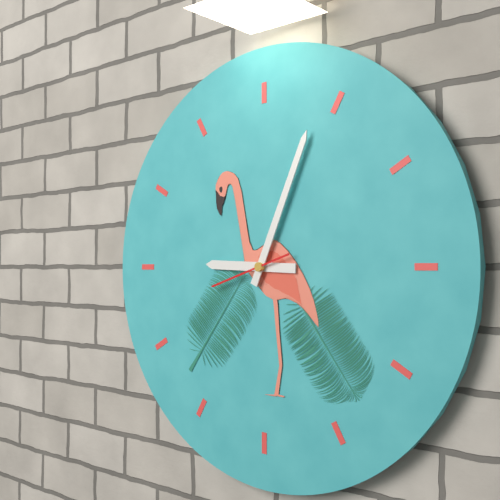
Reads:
h=9 m=4 s=42
